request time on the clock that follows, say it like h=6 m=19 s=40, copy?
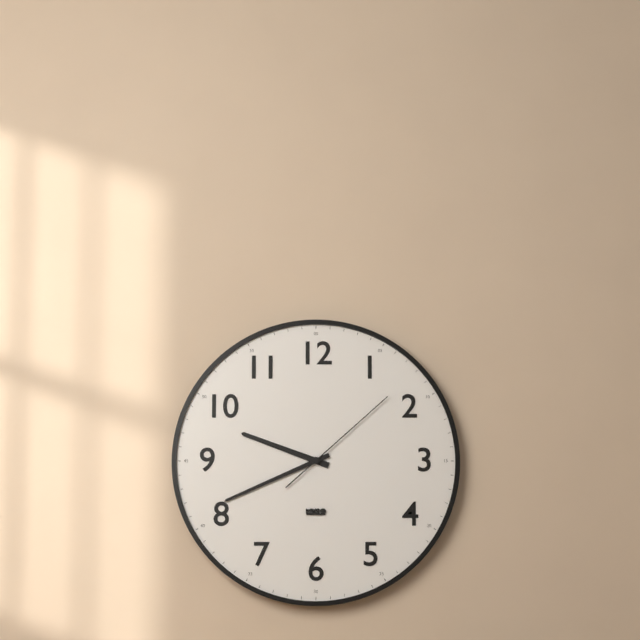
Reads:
h=9 m=41 s=8
